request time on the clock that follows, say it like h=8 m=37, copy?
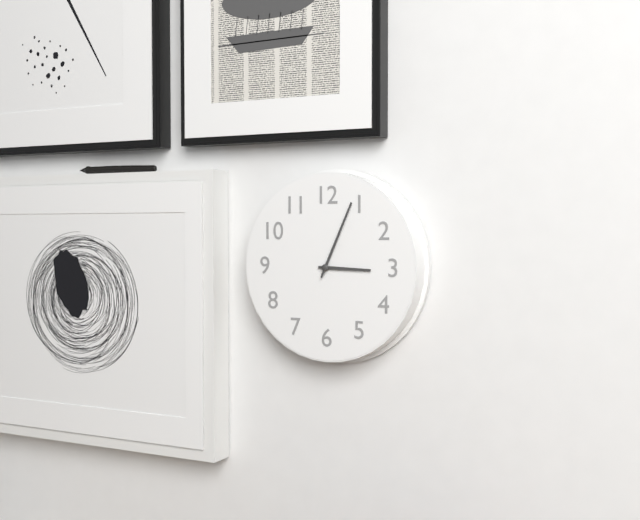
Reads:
h=3 m=4
